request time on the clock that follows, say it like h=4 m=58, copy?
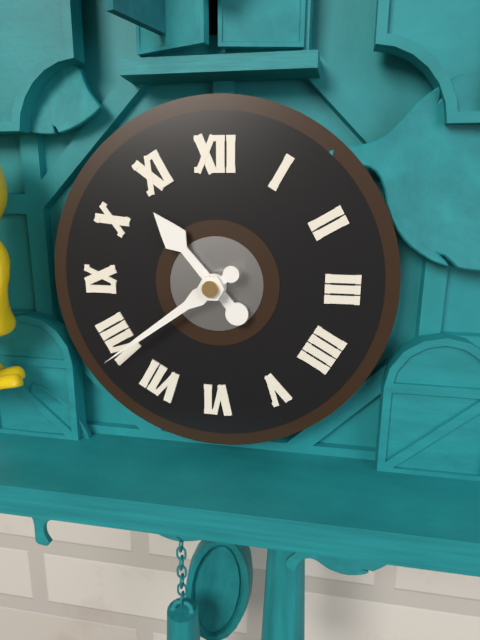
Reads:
h=10 m=39
